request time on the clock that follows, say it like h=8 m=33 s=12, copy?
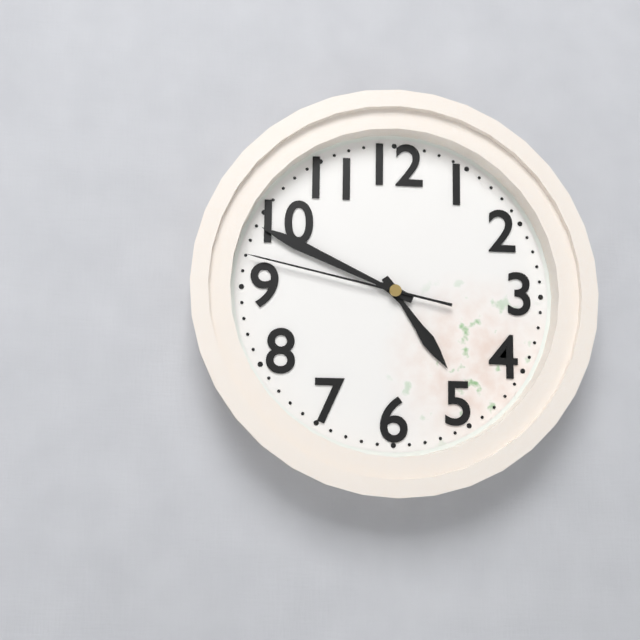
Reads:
h=4 m=49 s=47
